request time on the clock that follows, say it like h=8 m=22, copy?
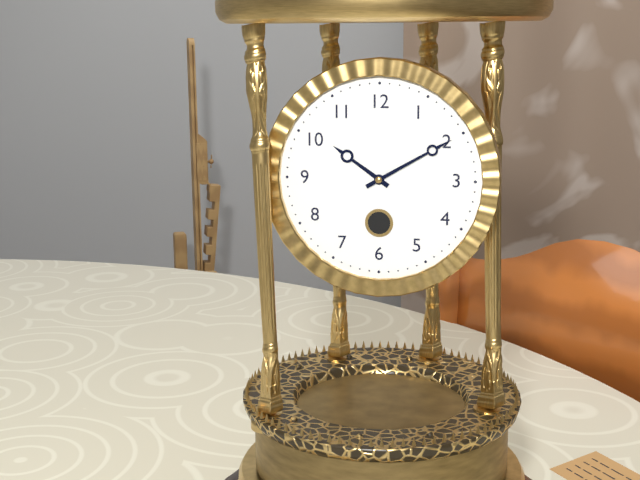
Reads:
h=10 m=10
